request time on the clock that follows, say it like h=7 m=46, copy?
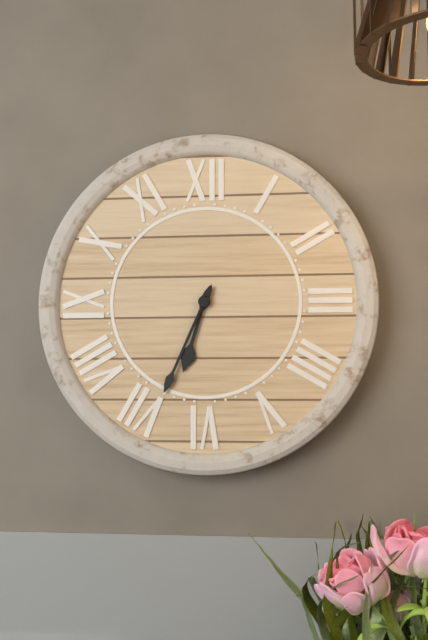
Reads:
h=6 m=34
